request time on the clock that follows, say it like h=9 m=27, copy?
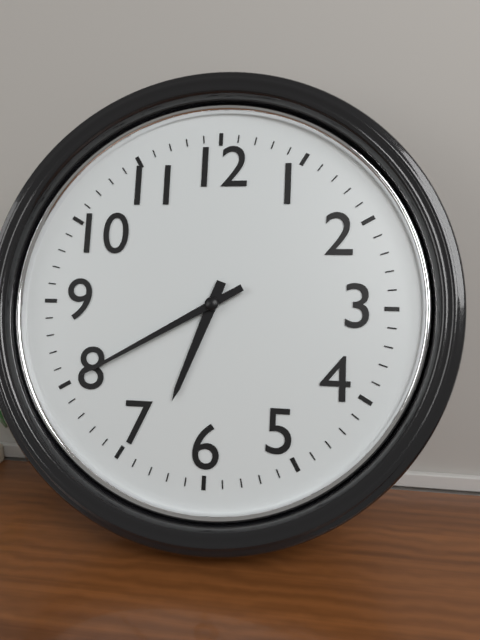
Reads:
h=6 m=40
